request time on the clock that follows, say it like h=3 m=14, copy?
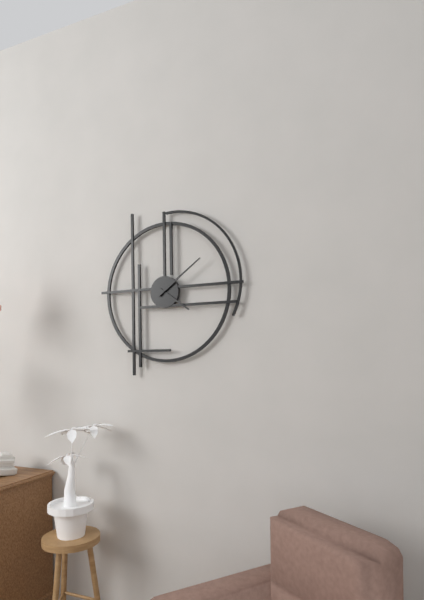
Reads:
h=4 m=9
